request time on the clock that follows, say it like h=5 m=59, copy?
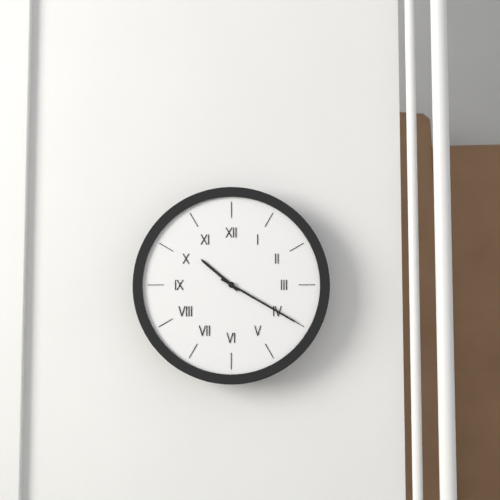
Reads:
h=10 m=20
